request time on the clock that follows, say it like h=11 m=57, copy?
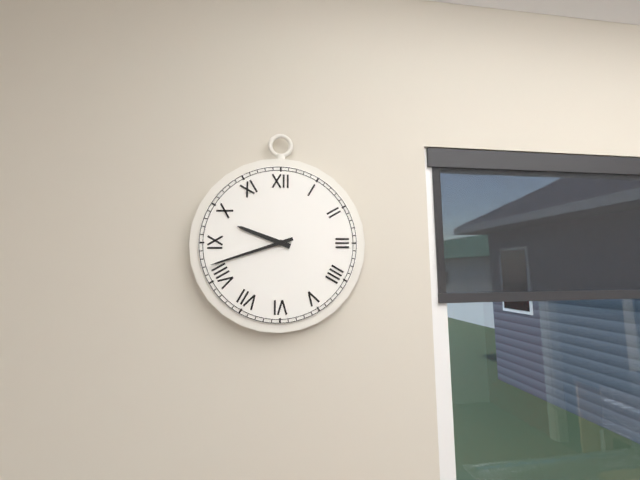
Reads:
h=9 m=42
